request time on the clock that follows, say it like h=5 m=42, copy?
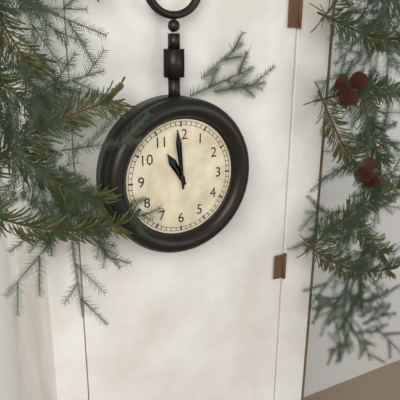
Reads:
h=10 m=59
